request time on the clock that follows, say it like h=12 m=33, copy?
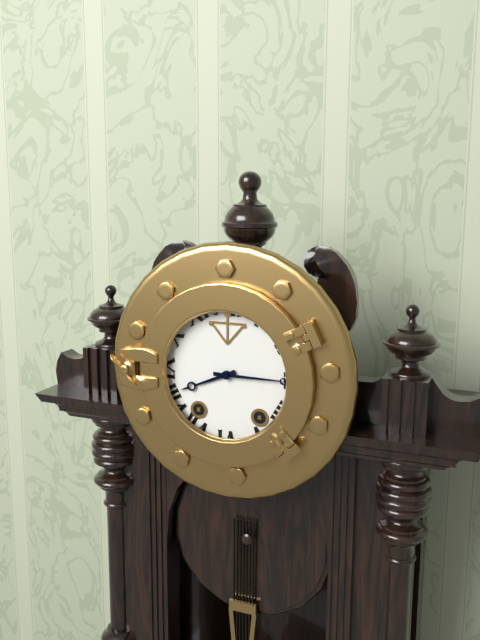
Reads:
h=8 m=15
